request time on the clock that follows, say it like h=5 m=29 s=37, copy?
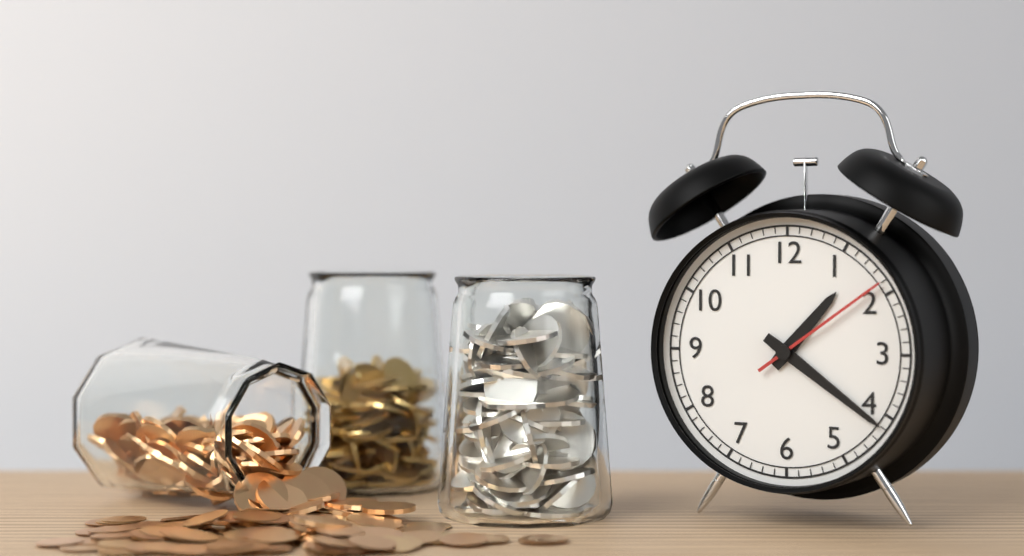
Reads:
h=1 m=21 s=9
